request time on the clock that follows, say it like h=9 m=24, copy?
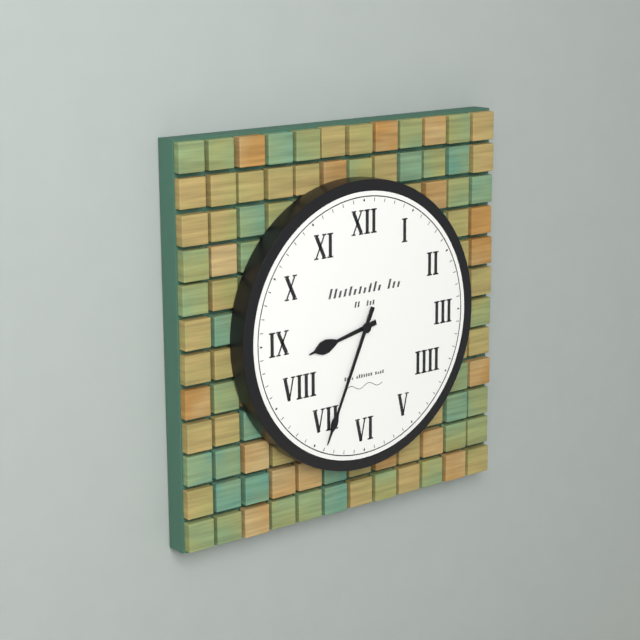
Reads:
h=8 m=34
